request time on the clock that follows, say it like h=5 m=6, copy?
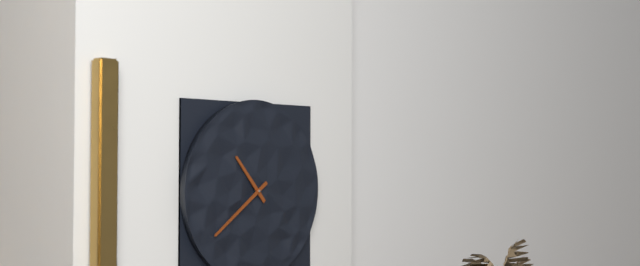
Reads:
h=10 m=39
